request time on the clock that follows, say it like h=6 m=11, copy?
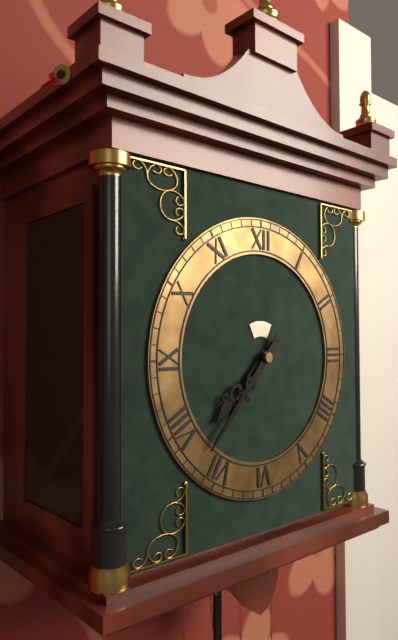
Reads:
h=7 m=37
